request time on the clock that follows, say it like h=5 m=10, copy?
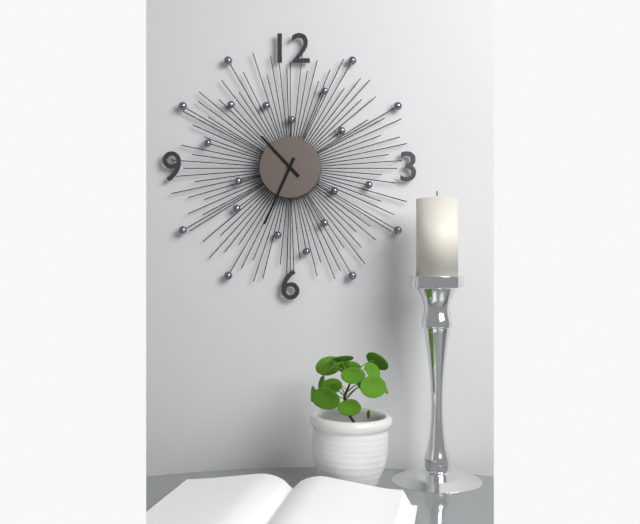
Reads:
h=10 m=34
